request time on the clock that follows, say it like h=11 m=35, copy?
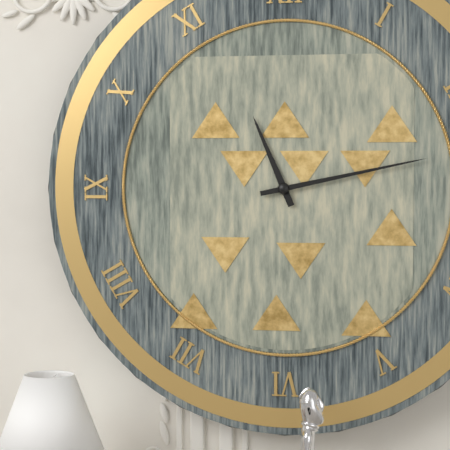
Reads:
h=11 m=13
